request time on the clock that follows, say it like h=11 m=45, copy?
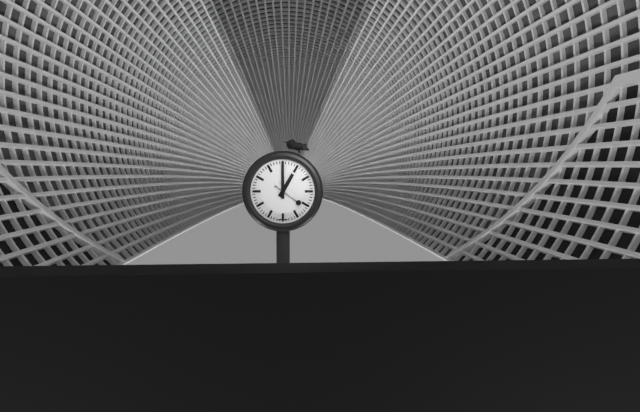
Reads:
h=1 m=0
